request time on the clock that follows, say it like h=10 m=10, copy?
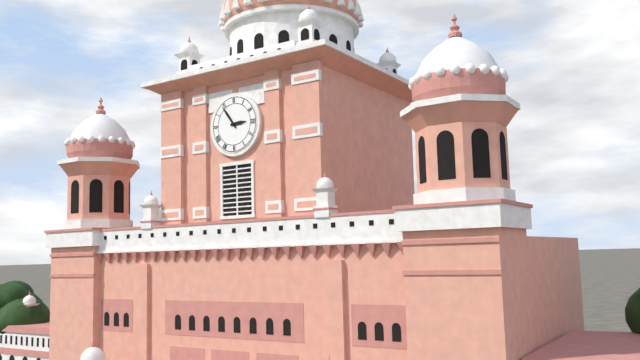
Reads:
h=2 m=54
